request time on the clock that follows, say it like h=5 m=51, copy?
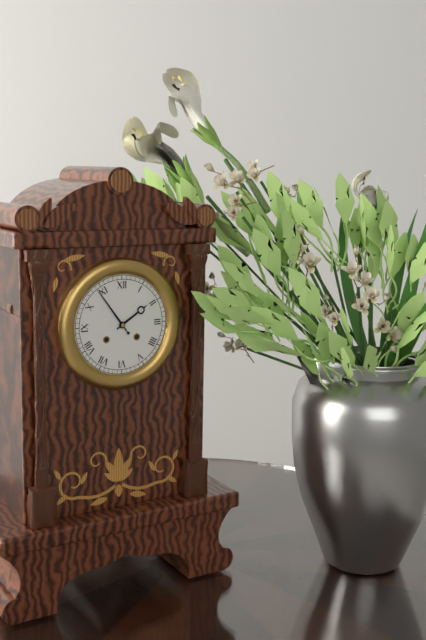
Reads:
h=1 m=54
